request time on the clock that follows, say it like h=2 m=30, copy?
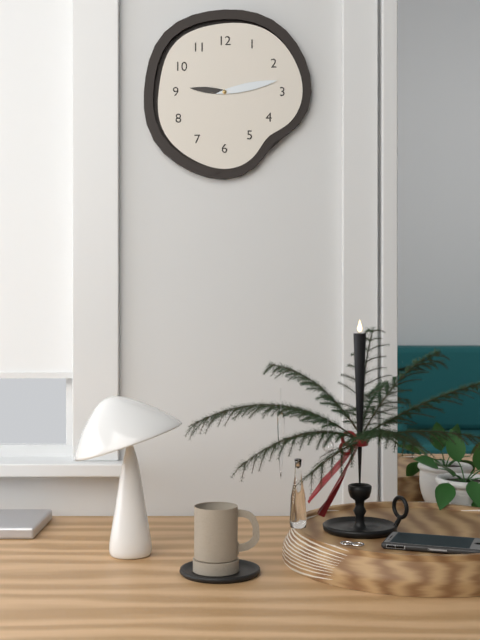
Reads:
h=9 m=13
